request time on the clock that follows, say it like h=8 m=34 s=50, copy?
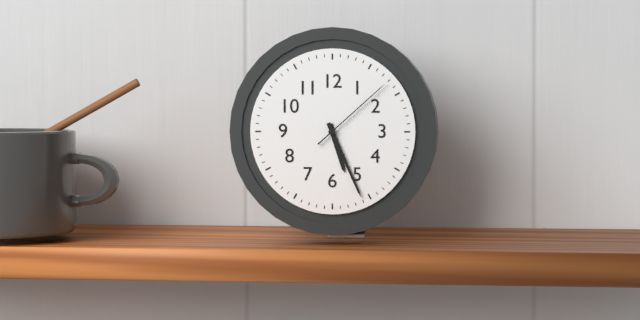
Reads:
h=5 m=26 s=8
